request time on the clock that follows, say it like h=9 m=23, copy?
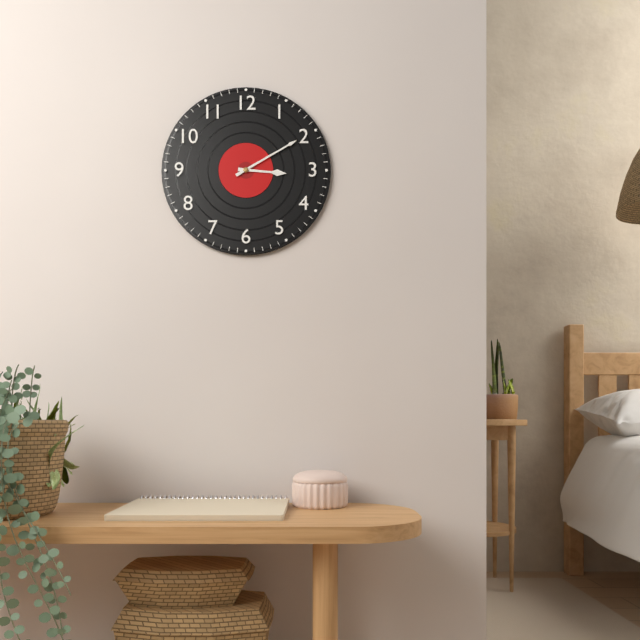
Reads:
h=3 m=10
